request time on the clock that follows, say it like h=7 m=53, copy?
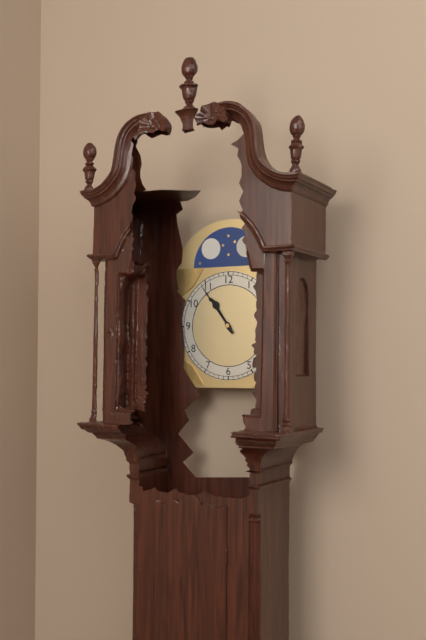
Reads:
h=10 m=54
